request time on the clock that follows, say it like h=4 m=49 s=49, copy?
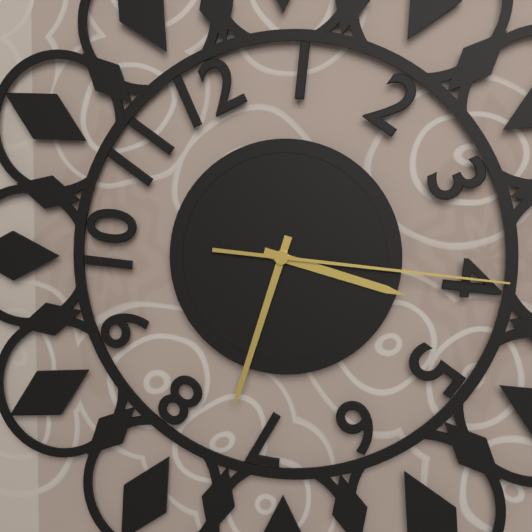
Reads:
h=3 m=33 s=16
